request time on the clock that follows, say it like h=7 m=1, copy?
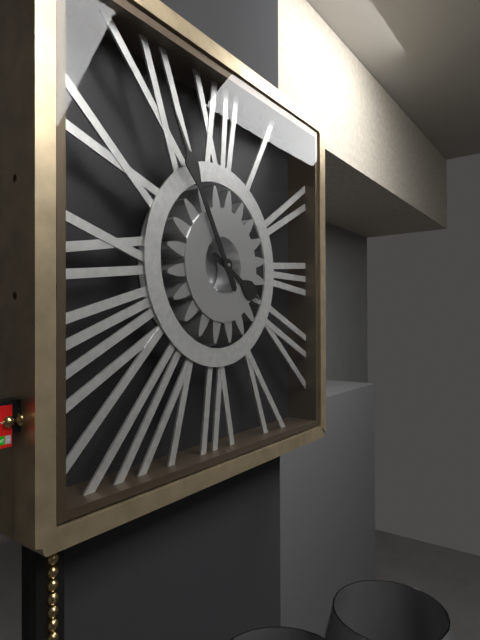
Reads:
h=3 m=55
